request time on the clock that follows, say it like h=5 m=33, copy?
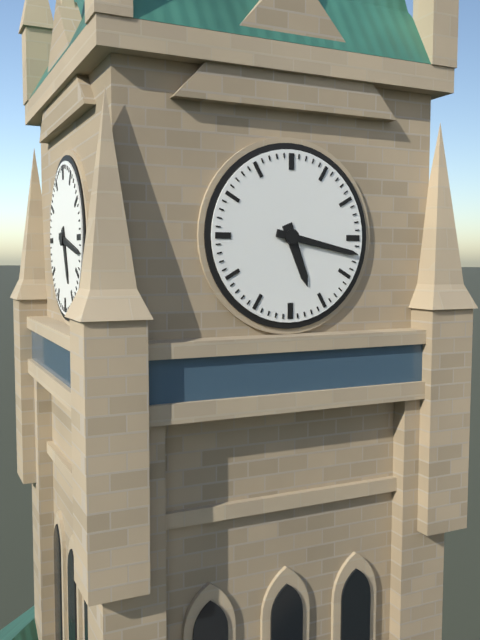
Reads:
h=5 m=17
